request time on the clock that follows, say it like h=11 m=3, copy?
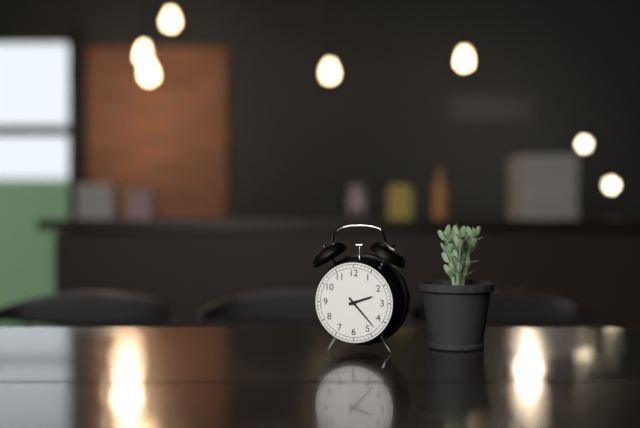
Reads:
h=2 m=23
